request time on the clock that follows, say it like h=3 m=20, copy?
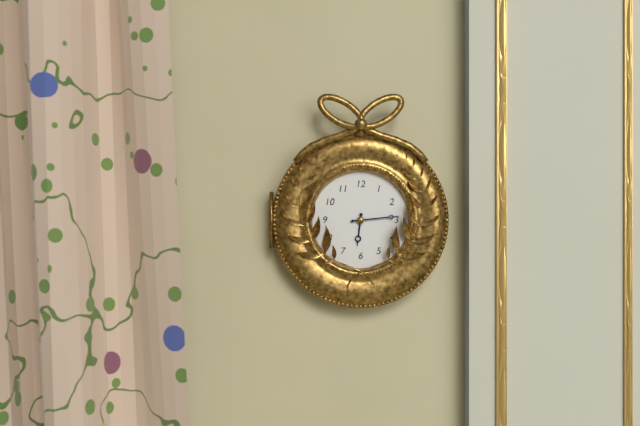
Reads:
h=6 m=14
